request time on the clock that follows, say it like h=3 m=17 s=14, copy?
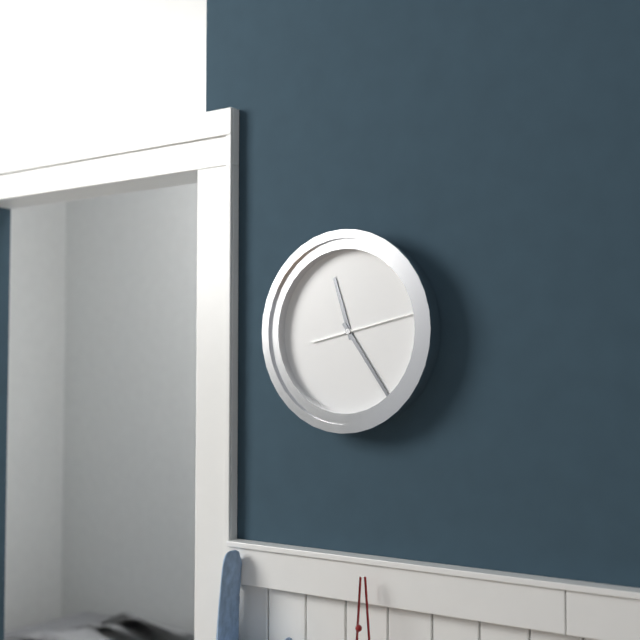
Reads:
h=11 m=24 s=13
